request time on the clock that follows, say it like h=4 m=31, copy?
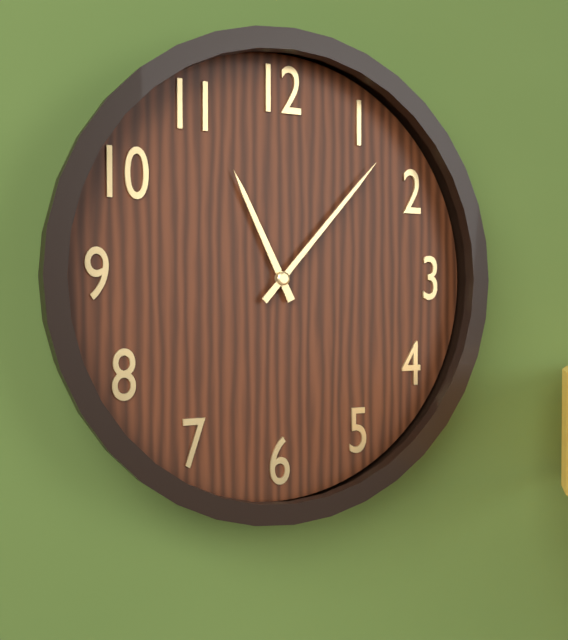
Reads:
h=11 m=7
